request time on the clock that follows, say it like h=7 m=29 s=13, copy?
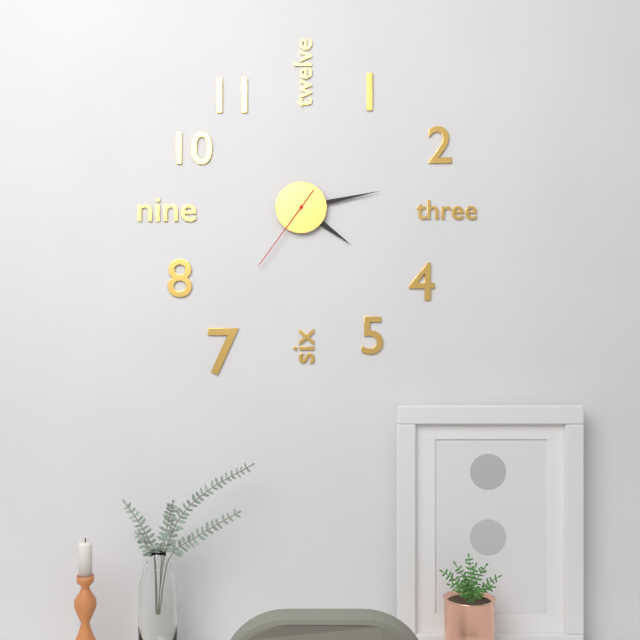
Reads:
h=4 m=13 s=36
